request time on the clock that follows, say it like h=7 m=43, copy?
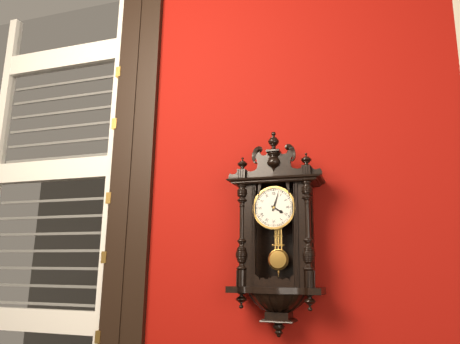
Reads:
h=4 m=3
